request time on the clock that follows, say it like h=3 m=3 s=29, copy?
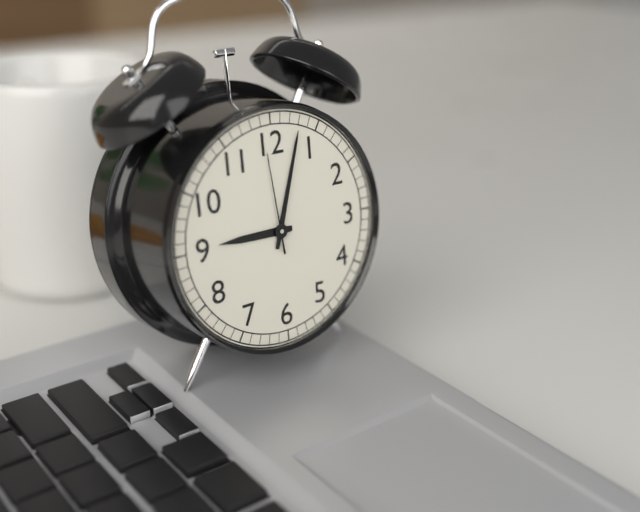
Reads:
h=9 m=3 s=59
